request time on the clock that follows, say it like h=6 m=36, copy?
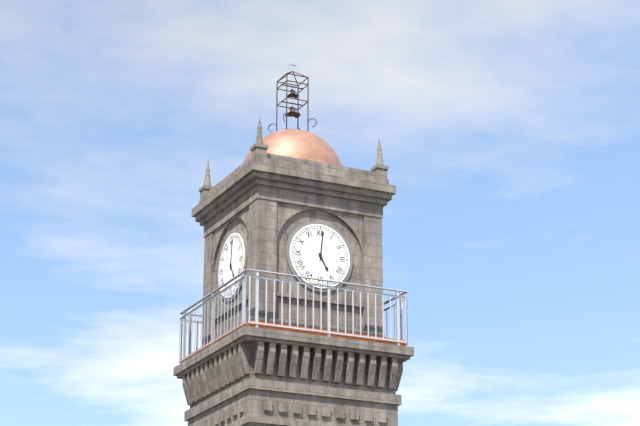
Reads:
h=5 m=1
